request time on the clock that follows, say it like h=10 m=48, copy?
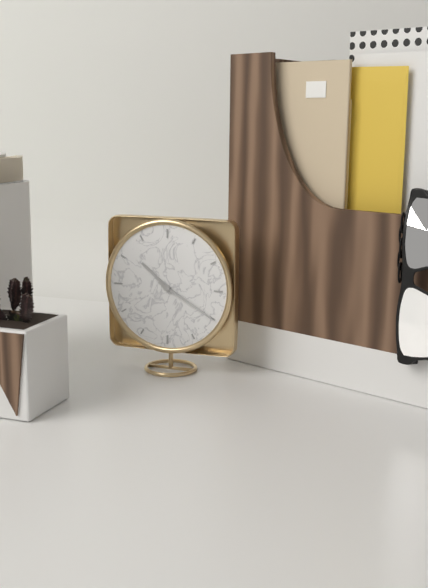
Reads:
h=10 m=20
